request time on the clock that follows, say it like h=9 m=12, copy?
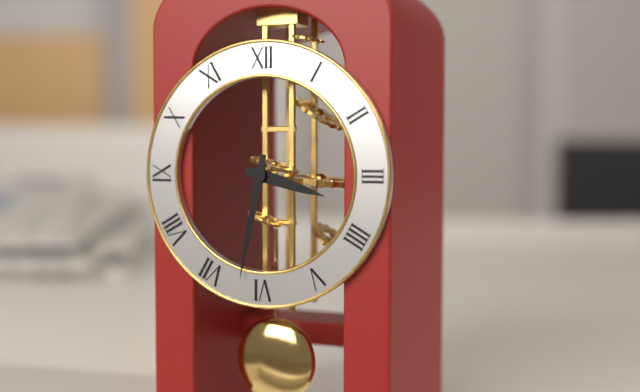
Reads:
h=3 m=32
